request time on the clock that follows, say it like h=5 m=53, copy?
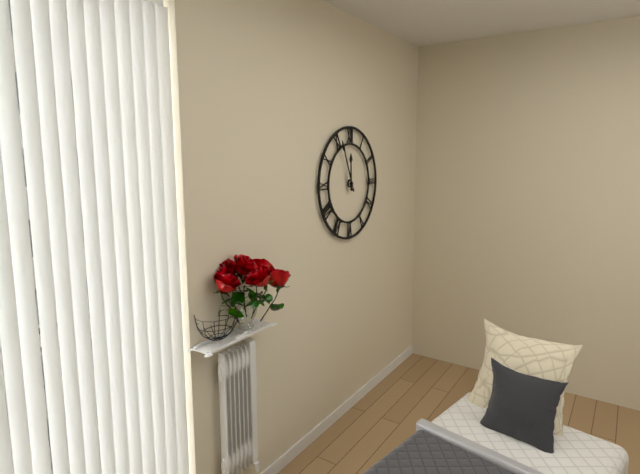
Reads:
h=11 m=56
